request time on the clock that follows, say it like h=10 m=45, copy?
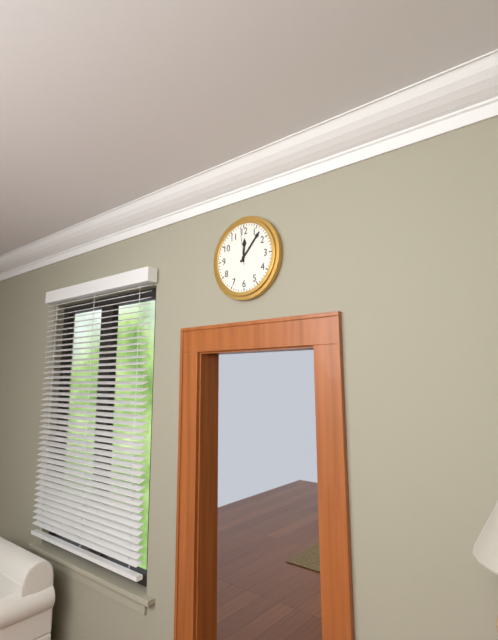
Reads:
h=12 m=7
